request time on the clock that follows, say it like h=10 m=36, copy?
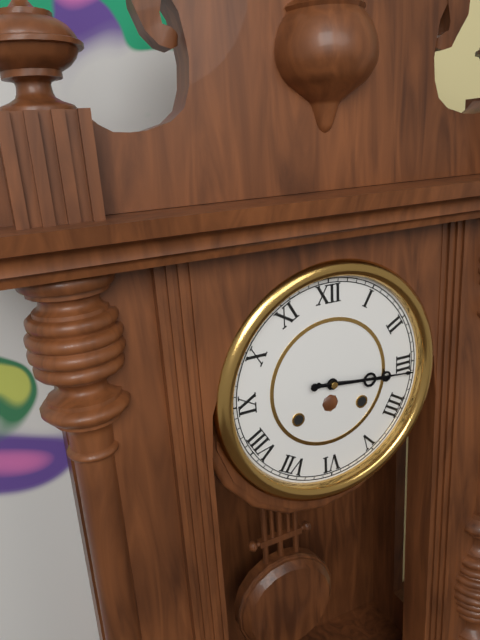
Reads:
h=3 m=16
